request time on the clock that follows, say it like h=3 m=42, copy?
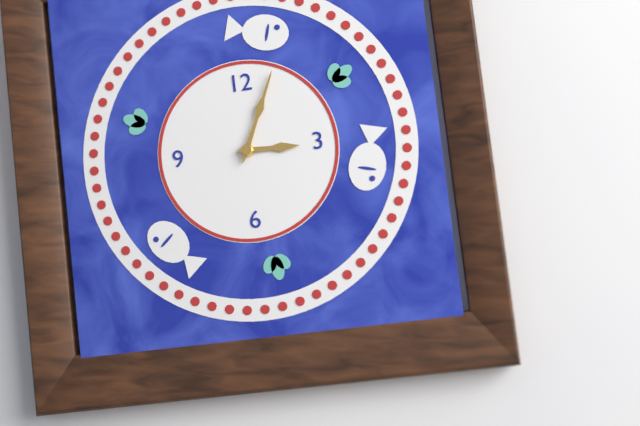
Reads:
h=3 m=4
